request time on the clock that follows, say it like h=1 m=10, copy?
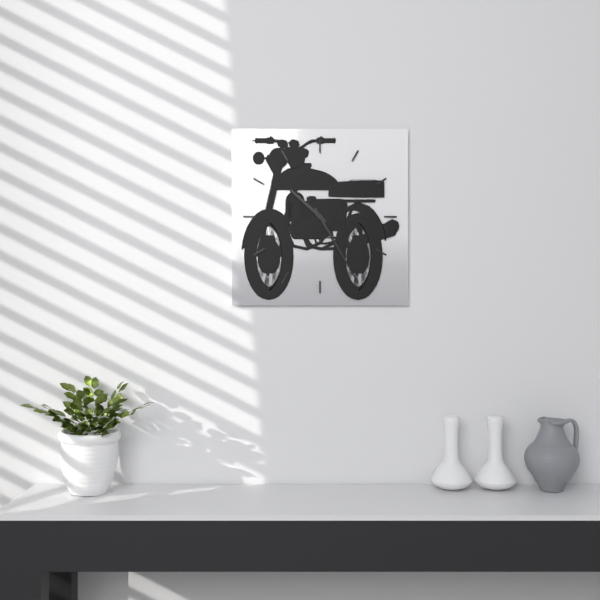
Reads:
h=10 m=25
